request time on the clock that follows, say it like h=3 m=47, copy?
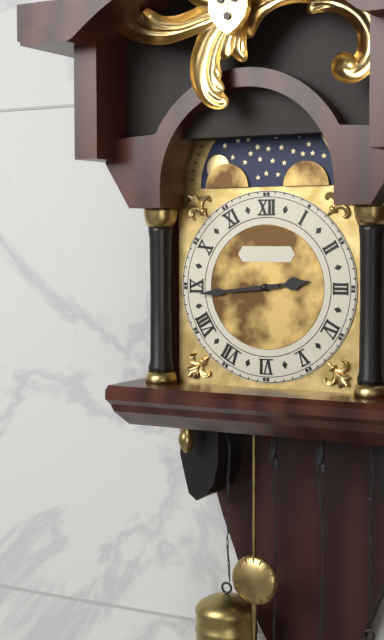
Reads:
h=2 m=44
